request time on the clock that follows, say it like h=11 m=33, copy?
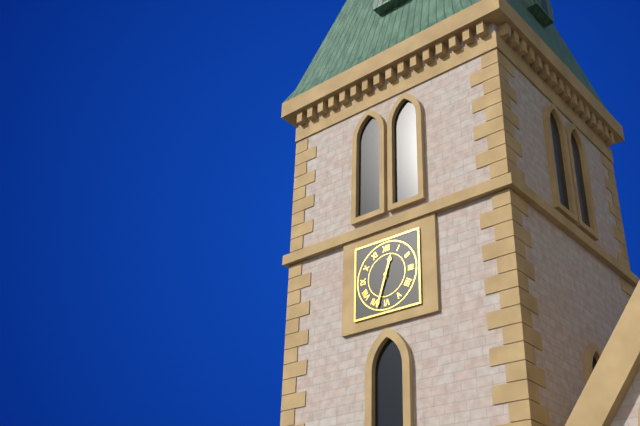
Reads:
h=12 m=33
